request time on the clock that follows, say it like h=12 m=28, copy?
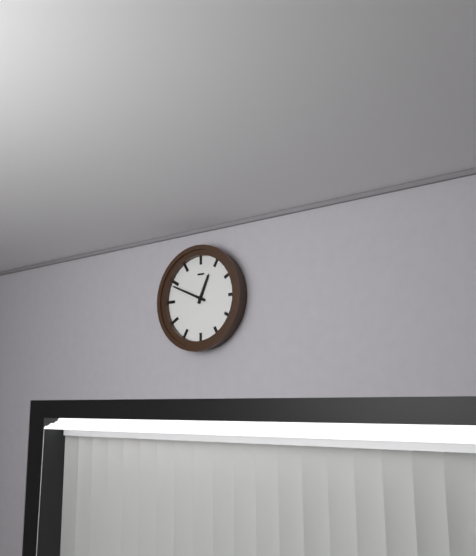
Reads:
h=12 m=49
